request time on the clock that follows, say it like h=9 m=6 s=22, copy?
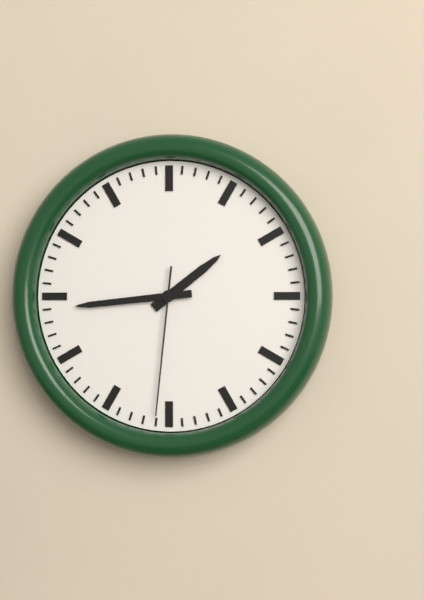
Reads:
h=1 m=44 s=31
